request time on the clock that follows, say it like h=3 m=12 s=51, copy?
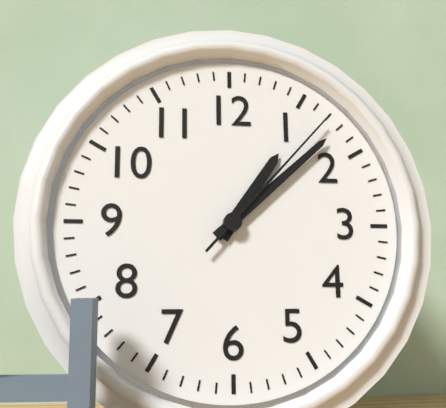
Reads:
h=1 m=8 s=7
